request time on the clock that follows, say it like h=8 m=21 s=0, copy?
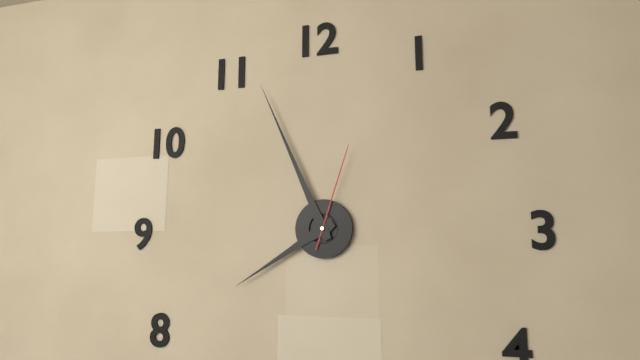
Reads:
h=7 m=56 s=3
